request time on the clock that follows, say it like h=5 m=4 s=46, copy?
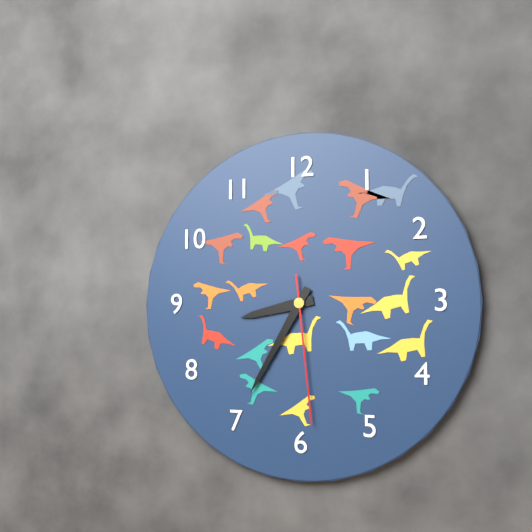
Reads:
h=8 m=35 s=29
